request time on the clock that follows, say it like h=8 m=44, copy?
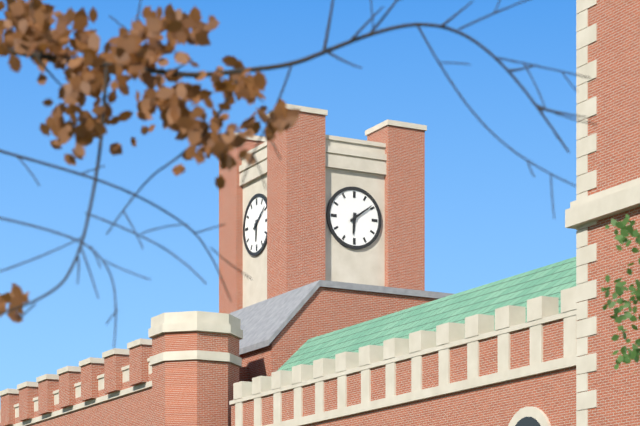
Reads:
h=6 m=9
